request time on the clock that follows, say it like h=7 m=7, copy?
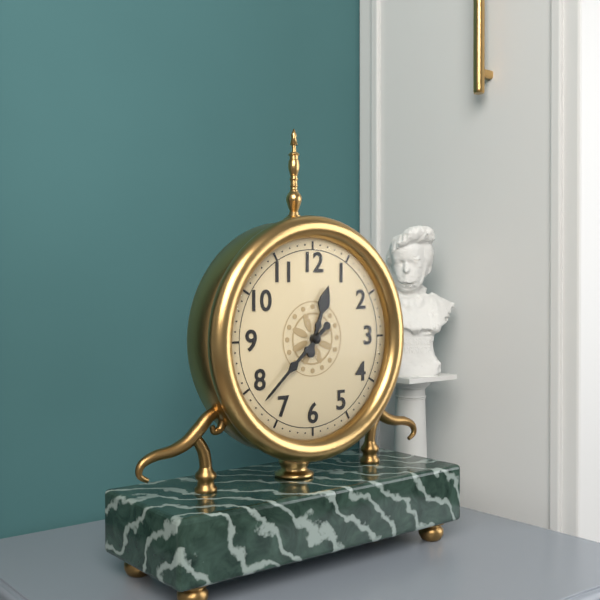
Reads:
h=12 m=38
